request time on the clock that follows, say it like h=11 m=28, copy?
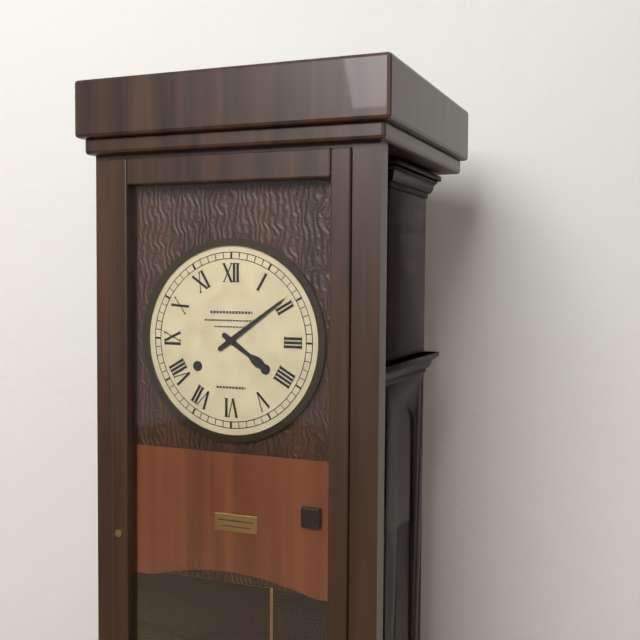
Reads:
h=4 m=9
